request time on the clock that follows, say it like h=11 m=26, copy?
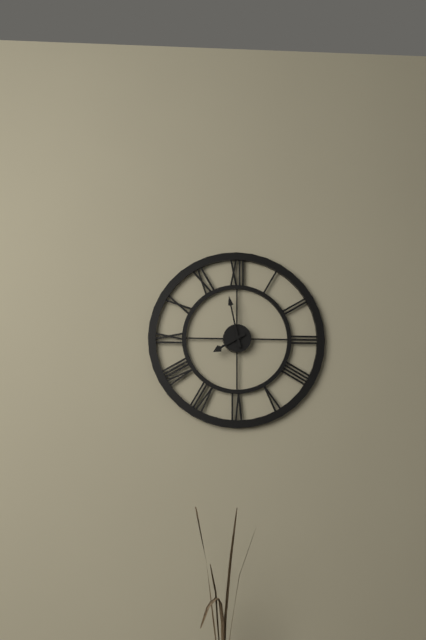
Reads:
h=7 m=58
